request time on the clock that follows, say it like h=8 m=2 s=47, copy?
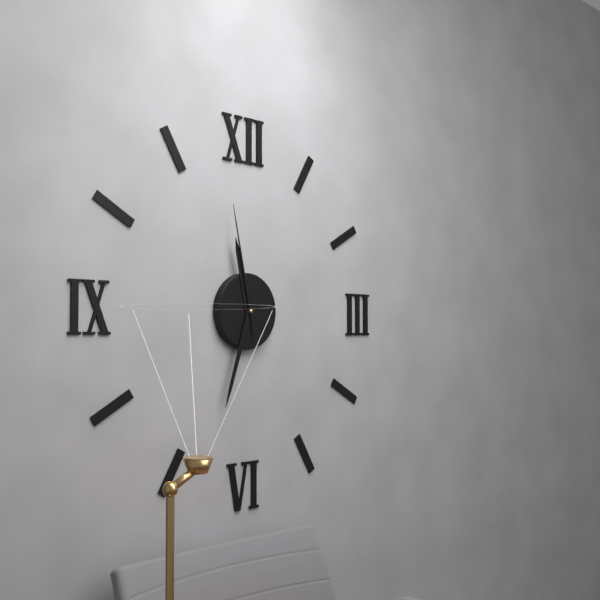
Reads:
h=11 m=33 s=58
